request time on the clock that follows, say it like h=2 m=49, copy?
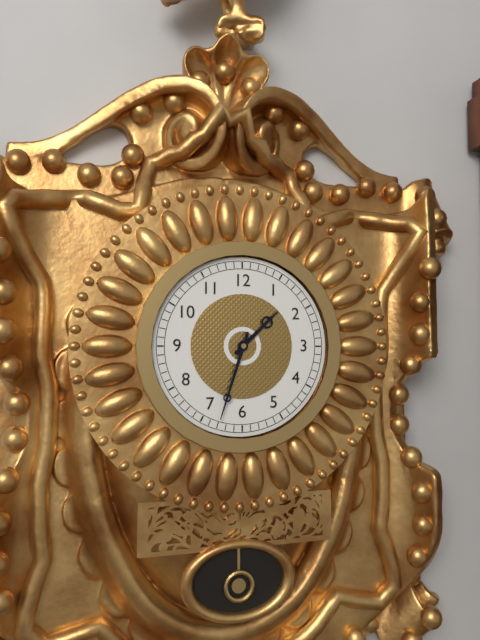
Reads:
h=1 m=33
